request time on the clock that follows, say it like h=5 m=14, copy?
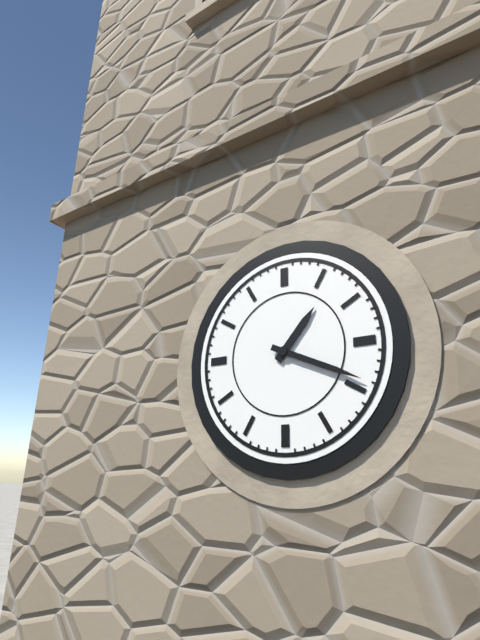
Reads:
h=1 m=19
